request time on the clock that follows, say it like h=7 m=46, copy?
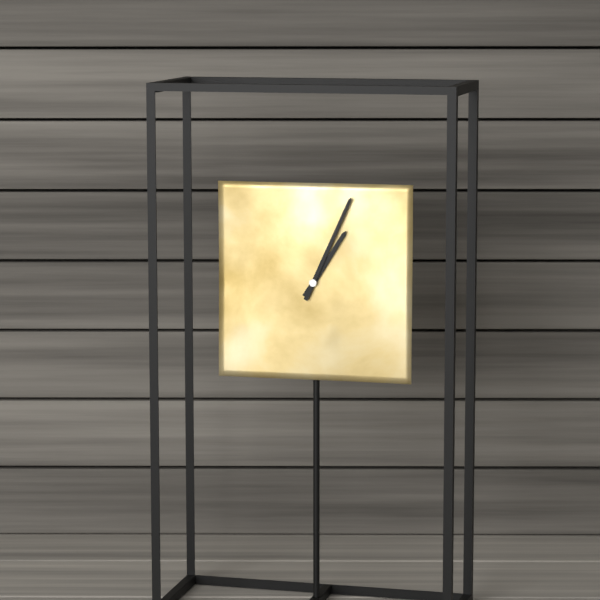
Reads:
h=1 m=4
